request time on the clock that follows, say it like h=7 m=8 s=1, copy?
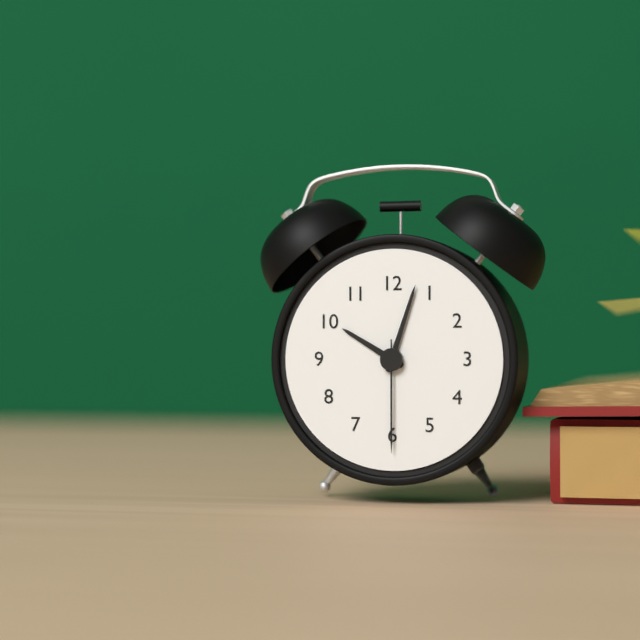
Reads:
h=10 m=3 s=30
